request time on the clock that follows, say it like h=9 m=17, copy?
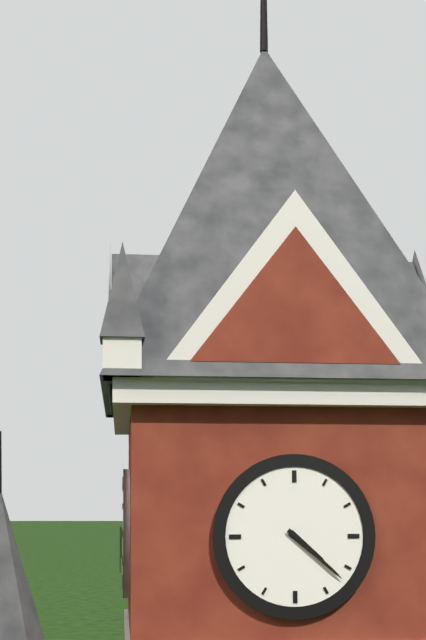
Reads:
h=4 m=22
